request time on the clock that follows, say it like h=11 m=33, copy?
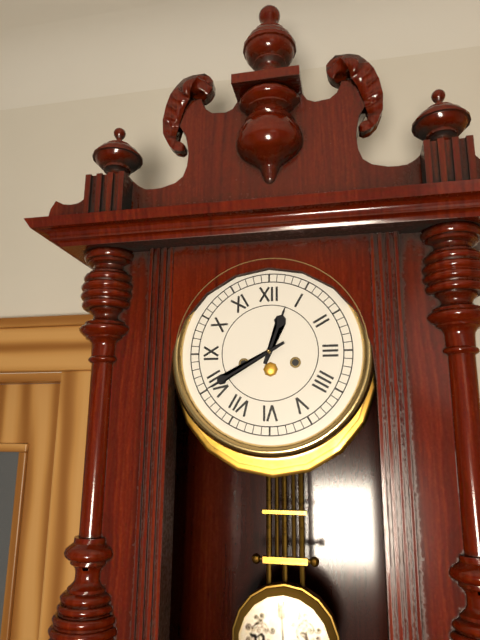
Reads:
h=12 m=40
